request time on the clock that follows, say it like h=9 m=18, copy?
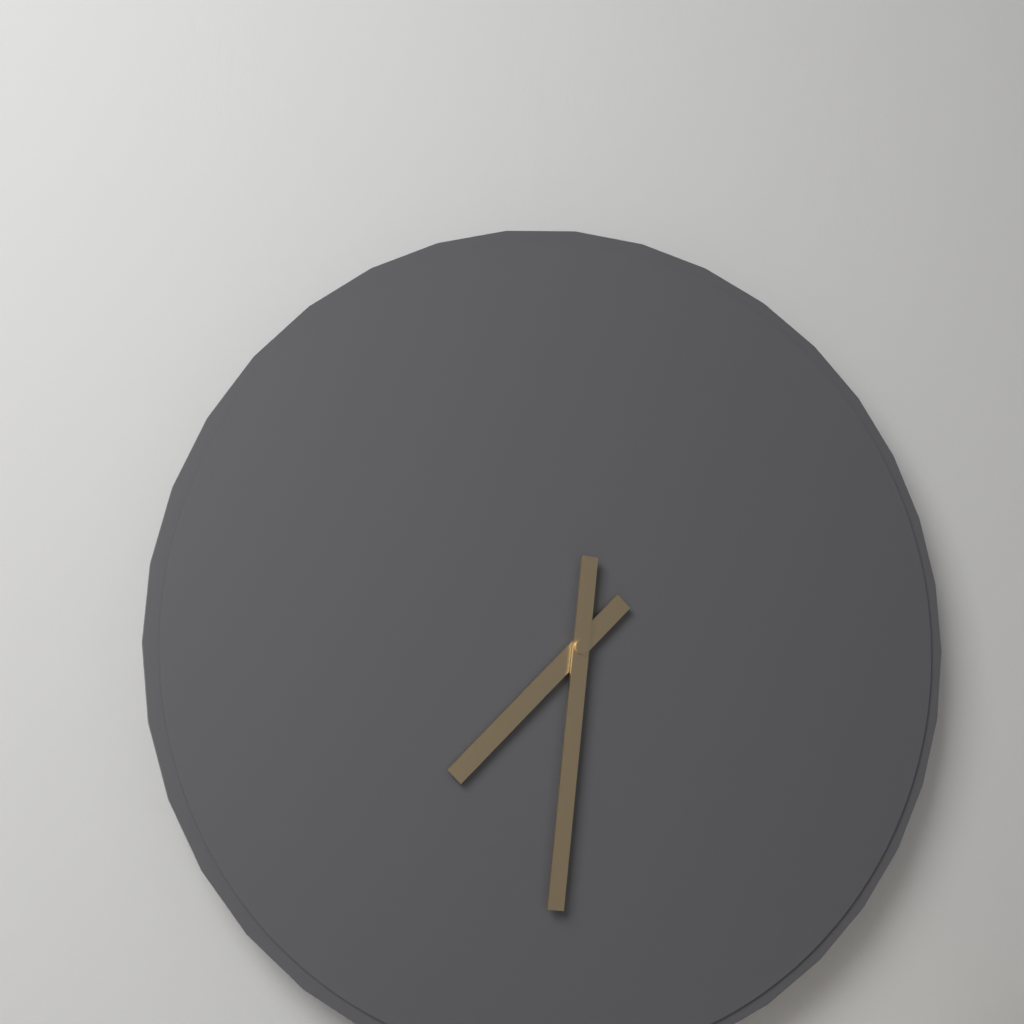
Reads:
h=7 m=31
